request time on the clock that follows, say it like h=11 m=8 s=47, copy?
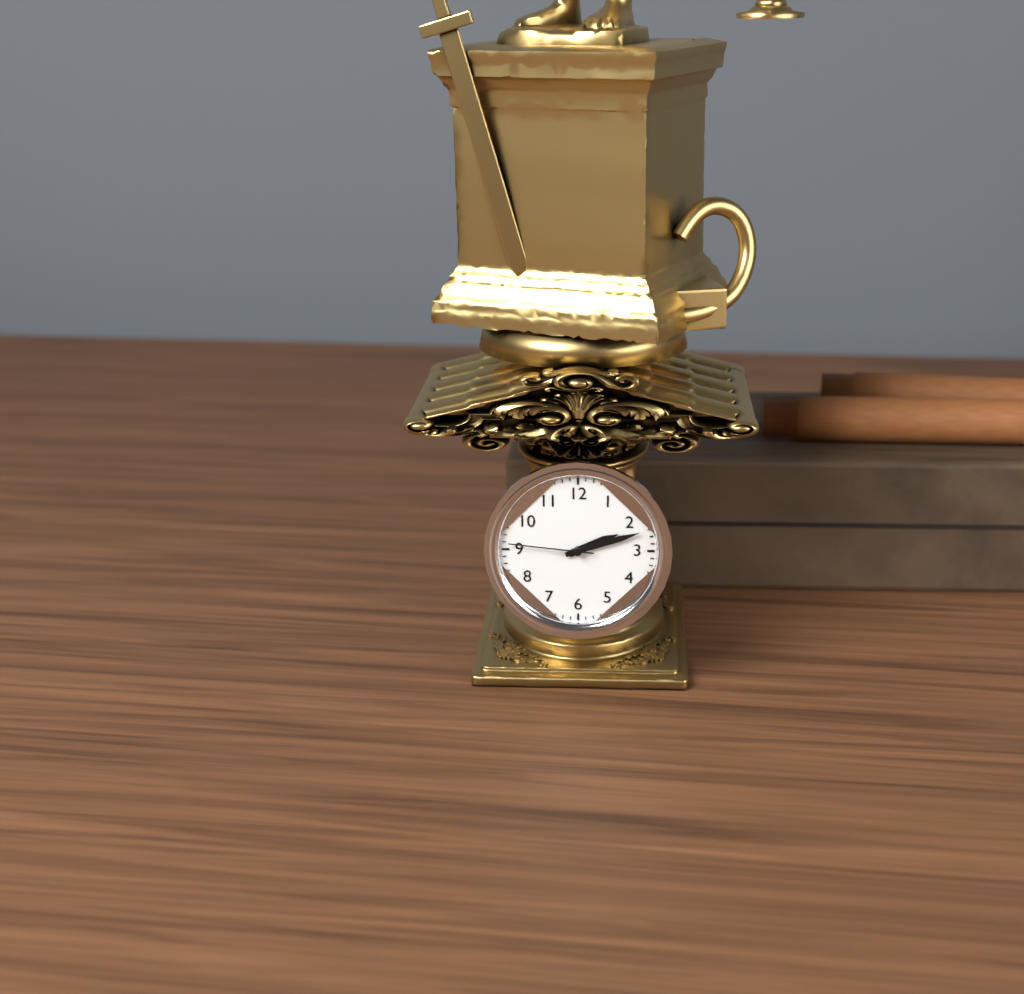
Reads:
h=2 m=12 s=46
